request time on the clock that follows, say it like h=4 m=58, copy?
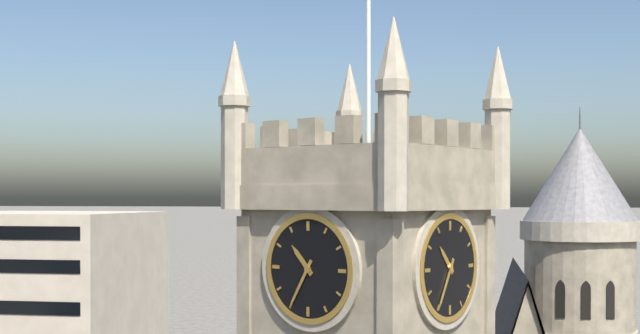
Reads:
h=10 m=35
